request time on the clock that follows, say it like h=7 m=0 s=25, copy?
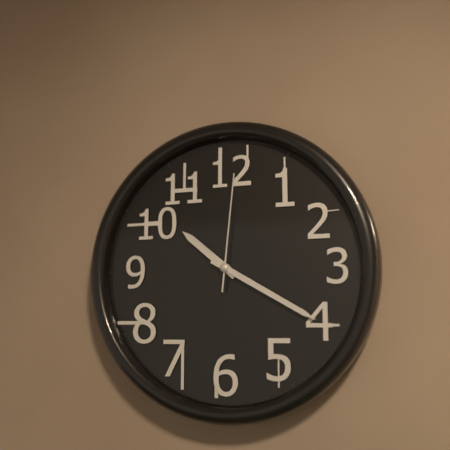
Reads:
h=10 m=20 s=1
